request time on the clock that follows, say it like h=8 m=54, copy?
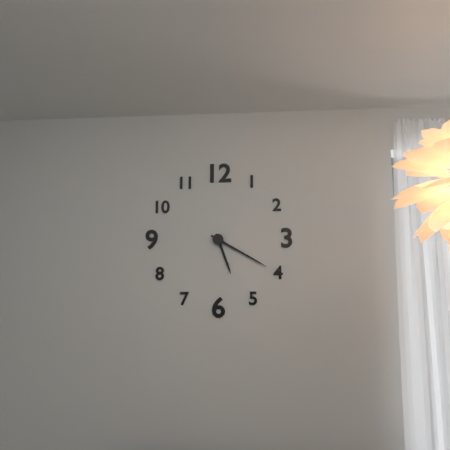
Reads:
h=5 m=20
